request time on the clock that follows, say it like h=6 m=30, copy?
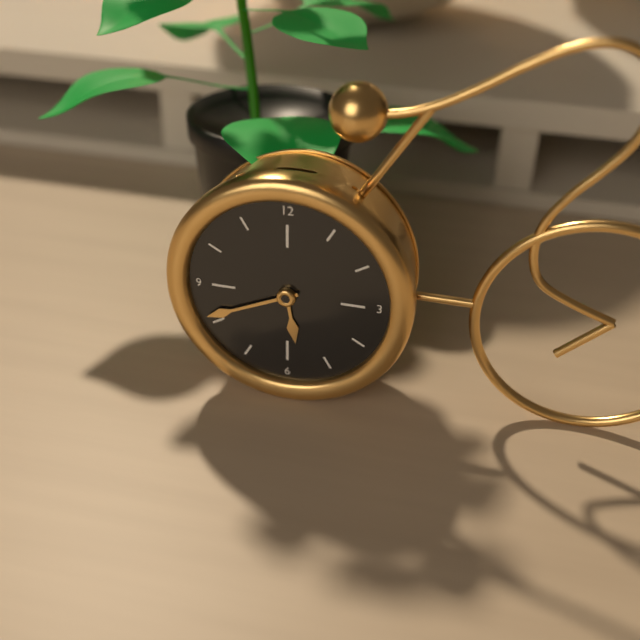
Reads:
h=5 m=41
